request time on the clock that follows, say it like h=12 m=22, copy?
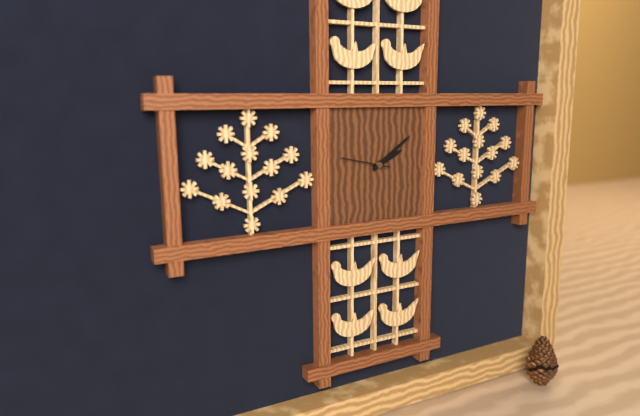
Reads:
h=2 m=9
